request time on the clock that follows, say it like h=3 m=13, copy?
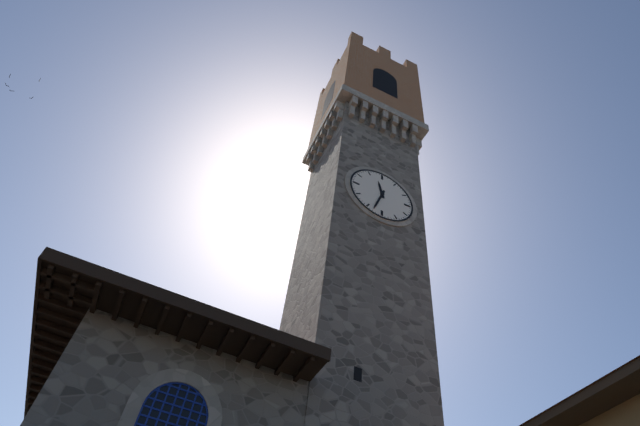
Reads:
h=11 m=33
